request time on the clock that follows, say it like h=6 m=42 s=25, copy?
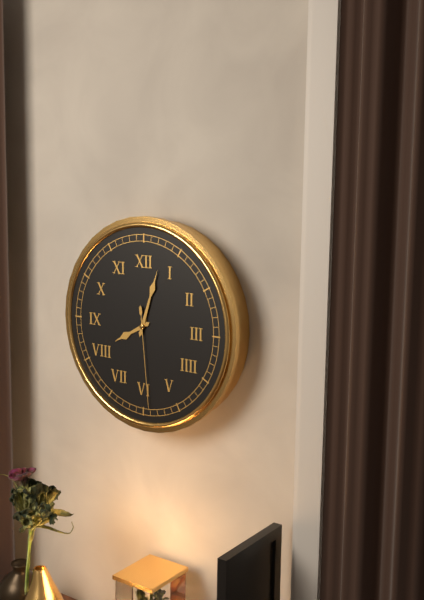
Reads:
h=8 m=3 s=29
